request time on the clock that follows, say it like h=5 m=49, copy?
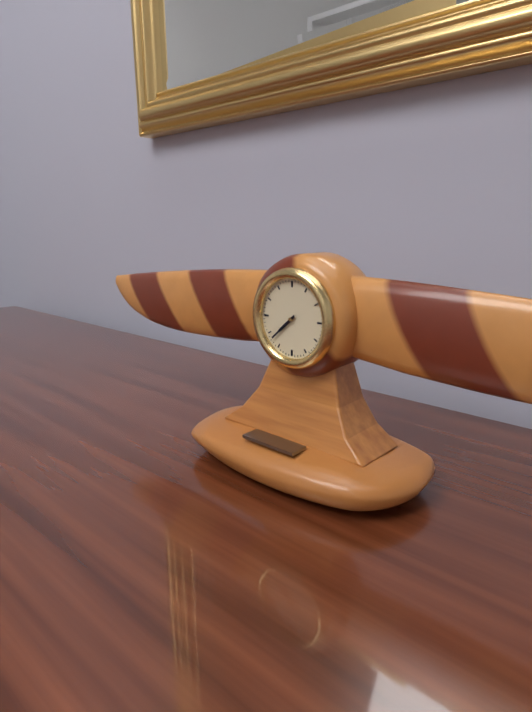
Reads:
h=7 m=38
